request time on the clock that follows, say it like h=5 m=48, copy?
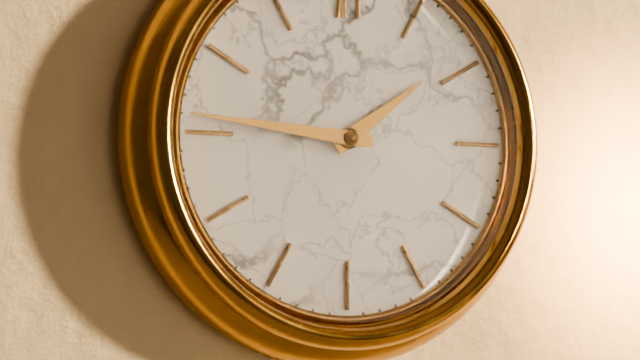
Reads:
h=1 m=46
